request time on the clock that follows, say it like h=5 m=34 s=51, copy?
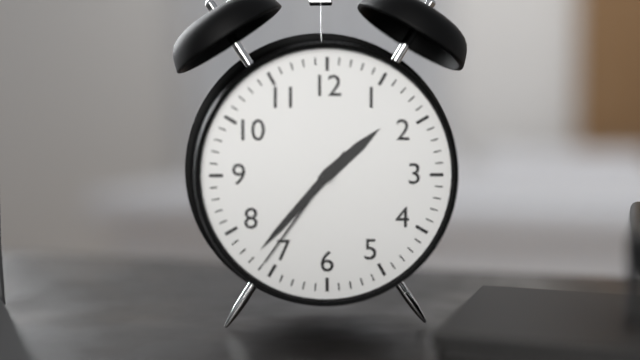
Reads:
h=1 m=37 s=36
